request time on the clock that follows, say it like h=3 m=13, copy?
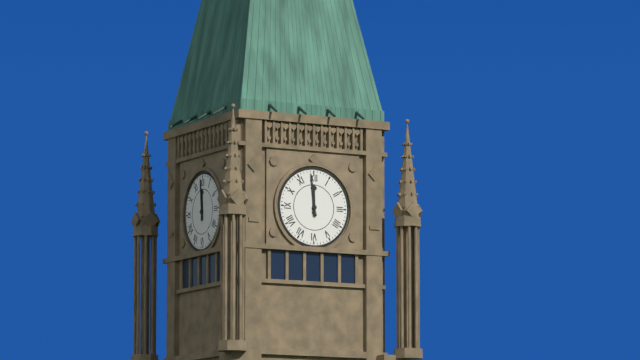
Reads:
h=11 m=59
